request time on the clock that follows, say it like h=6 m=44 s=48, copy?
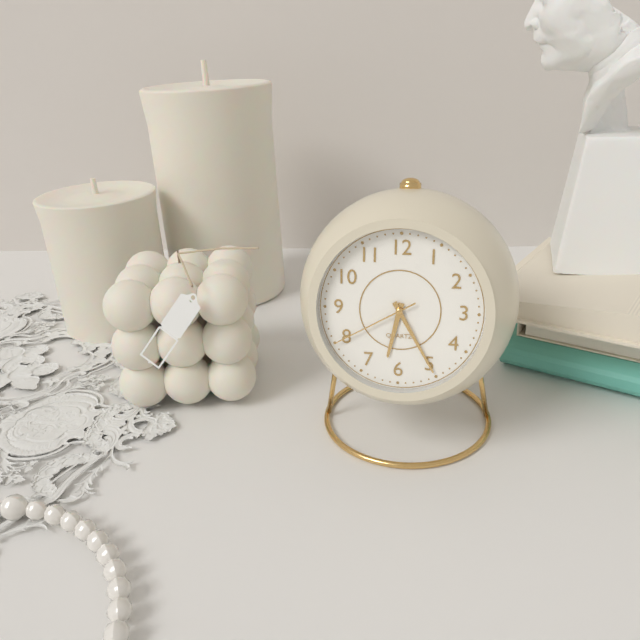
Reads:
h=6 m=25 s=40
